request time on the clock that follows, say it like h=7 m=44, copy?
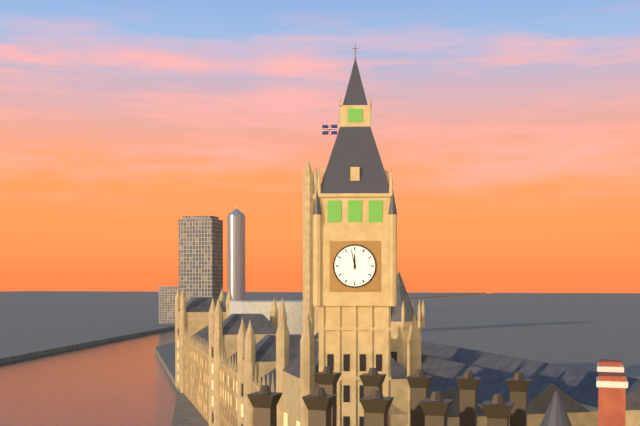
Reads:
h=11 m=58
